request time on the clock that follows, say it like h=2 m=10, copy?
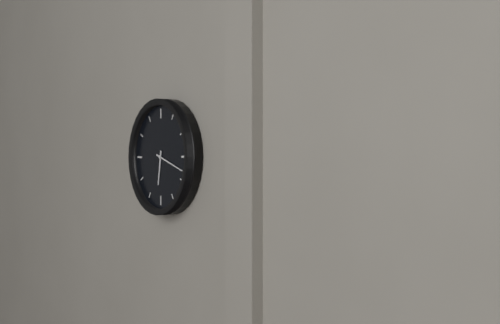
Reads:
h=6 m=18
